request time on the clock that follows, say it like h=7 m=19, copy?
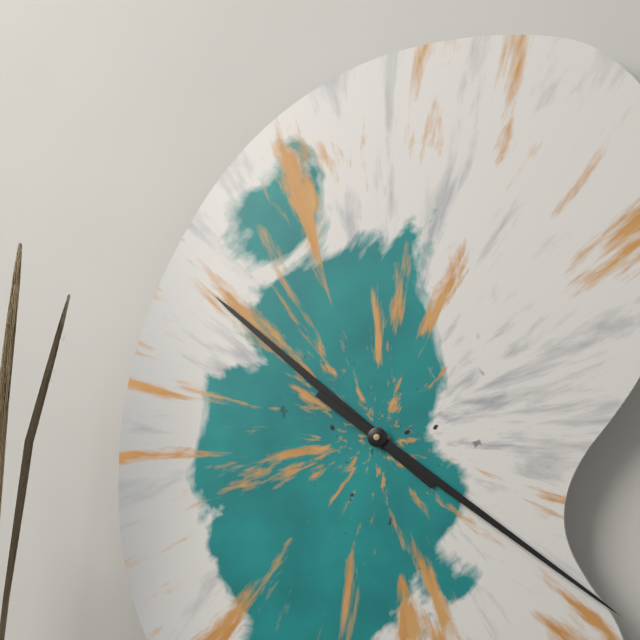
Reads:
h=10 m=21
